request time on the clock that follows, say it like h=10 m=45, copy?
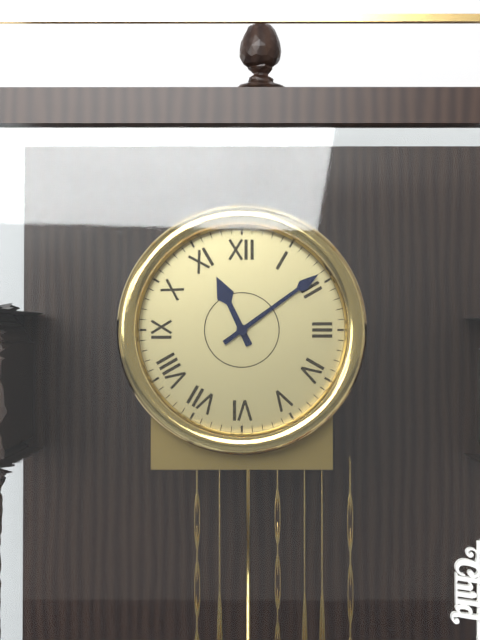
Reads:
h=11 m=9
